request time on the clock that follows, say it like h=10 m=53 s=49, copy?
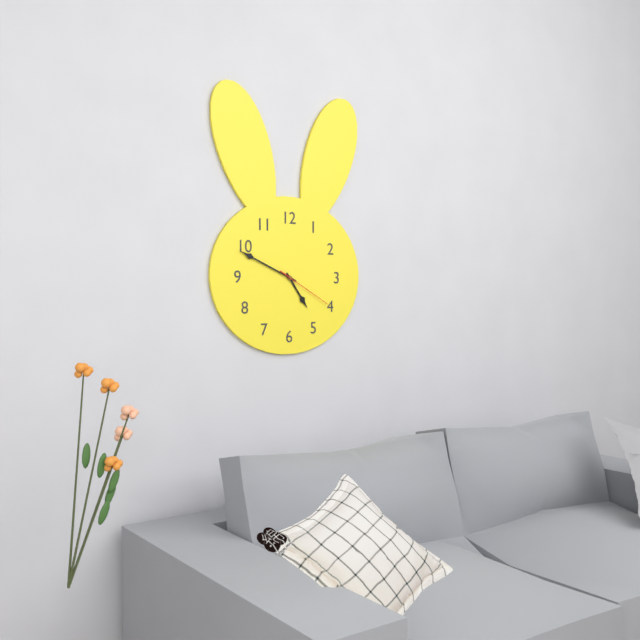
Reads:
h=4 m=49 s=20
